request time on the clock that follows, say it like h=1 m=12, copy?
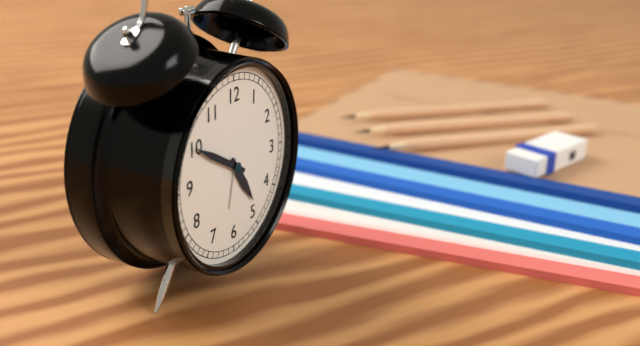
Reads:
h=4 m=50
